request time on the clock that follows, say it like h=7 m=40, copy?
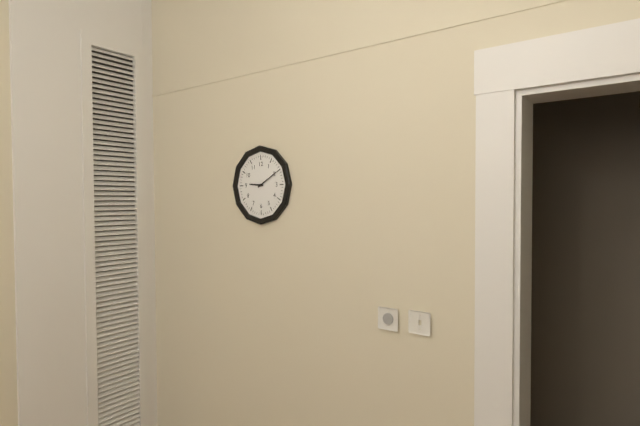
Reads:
h=9 m=10
